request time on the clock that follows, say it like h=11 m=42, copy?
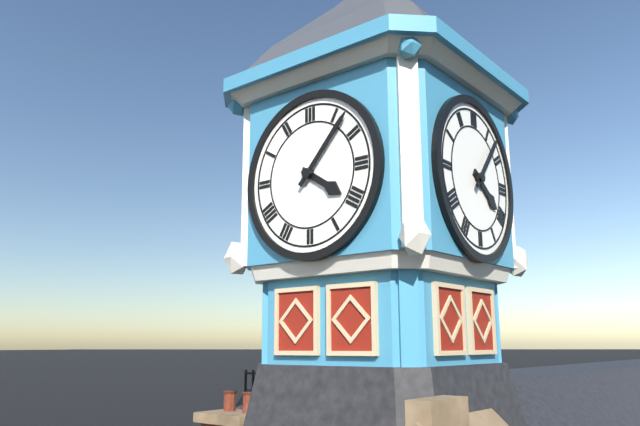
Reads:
h=4 m=7
